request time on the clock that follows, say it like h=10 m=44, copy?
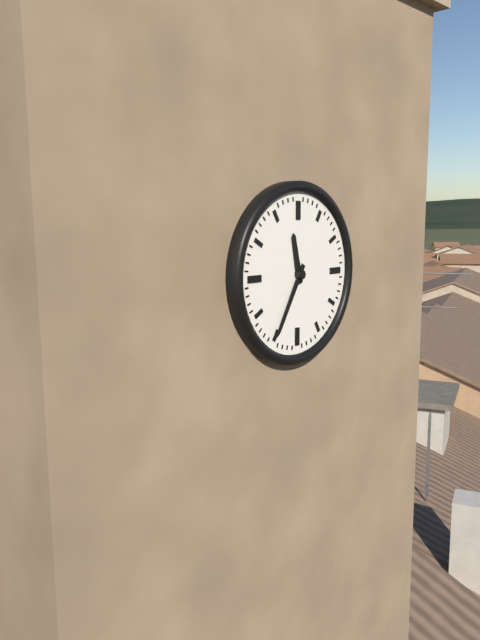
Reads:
h=11 m=35
